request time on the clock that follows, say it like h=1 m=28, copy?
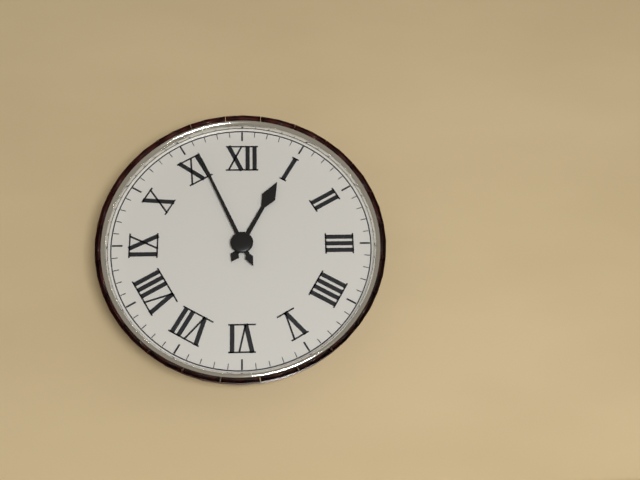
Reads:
h=12 m=56
